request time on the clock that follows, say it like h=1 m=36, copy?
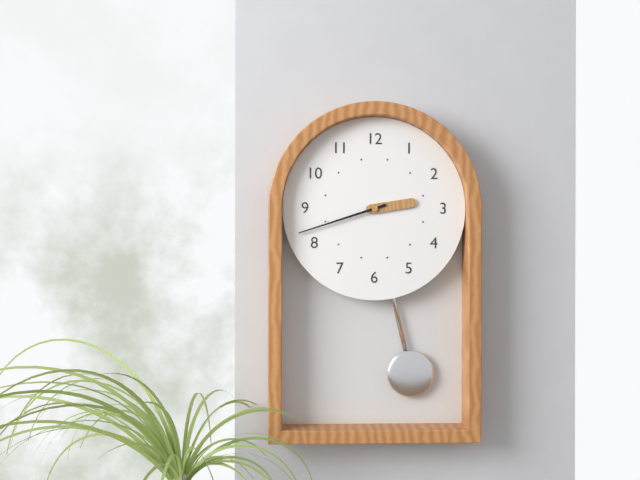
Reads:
h=2 m=42
